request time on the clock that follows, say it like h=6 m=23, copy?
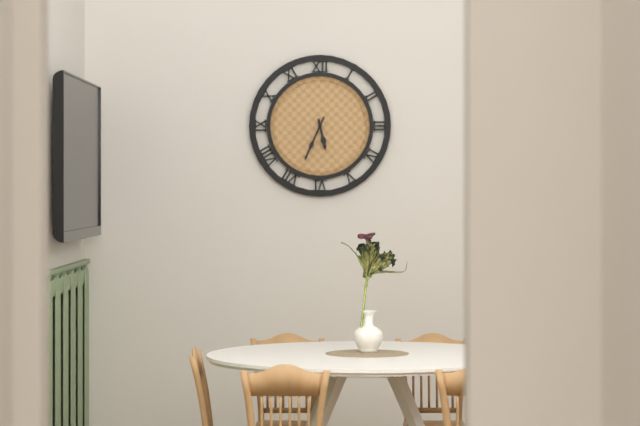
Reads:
h=5 m=34
